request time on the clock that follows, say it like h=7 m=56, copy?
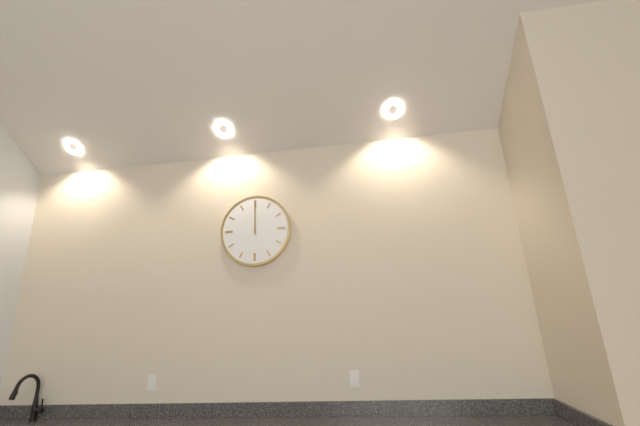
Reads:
h=12 m=0
